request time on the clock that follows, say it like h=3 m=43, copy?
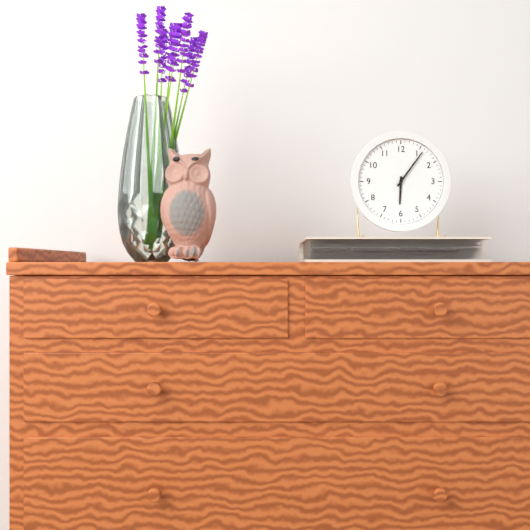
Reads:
h=6 m=6
